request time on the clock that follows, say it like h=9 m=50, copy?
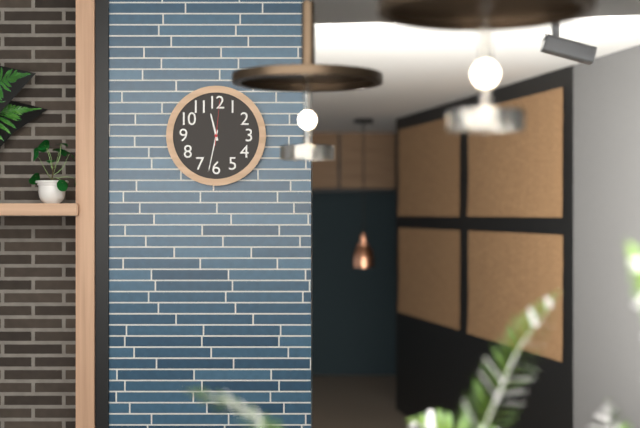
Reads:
h=11 m=32
